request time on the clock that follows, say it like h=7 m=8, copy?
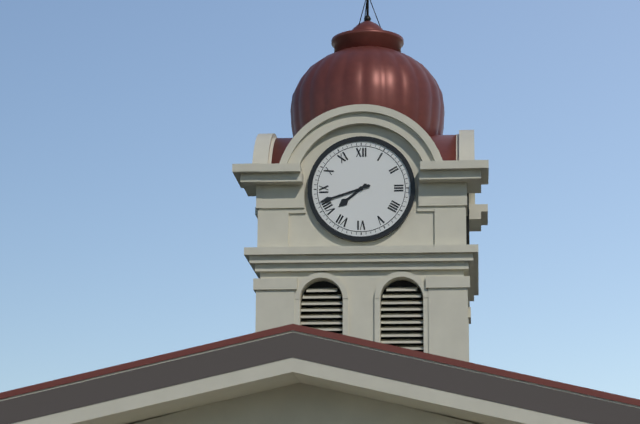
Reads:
h=7 m=42
